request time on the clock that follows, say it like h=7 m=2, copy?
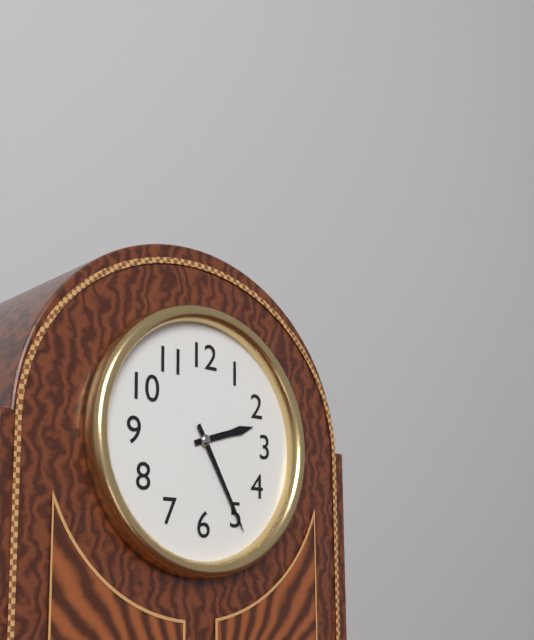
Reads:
h=2 m=25
